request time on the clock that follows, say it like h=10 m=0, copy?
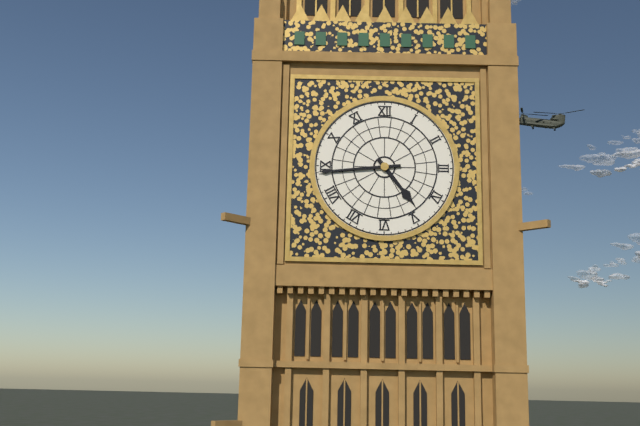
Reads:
h=4 m=44
